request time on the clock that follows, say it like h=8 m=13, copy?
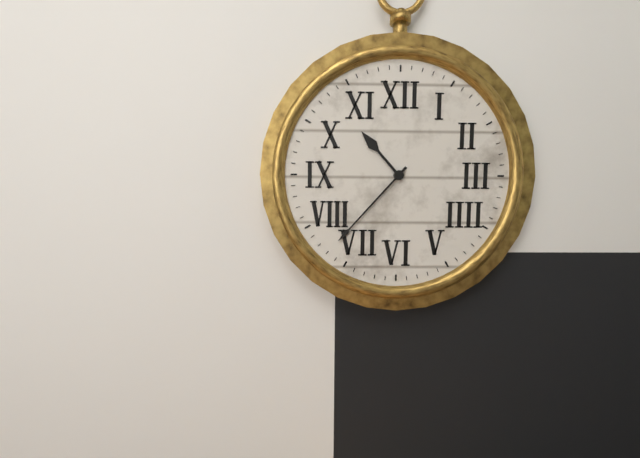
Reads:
h=10 m=37
